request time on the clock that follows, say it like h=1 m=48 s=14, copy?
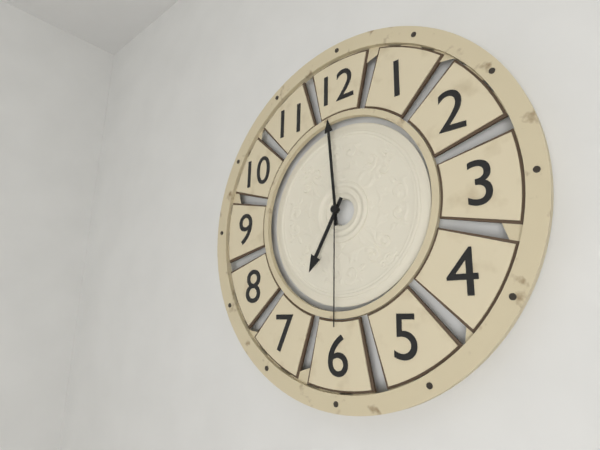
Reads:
h=6 m=59 s=30
